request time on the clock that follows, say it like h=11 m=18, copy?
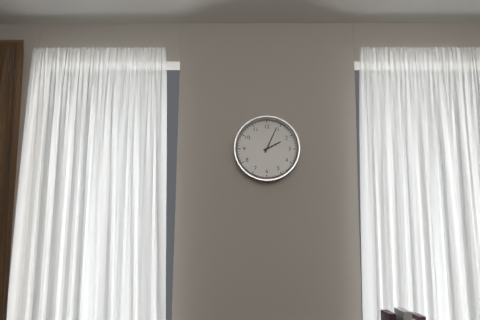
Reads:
h=2 m=4
